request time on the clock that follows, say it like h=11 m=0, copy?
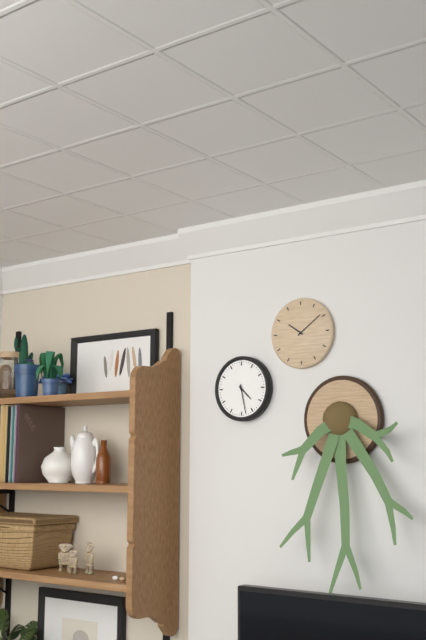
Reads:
h=4 m=28
